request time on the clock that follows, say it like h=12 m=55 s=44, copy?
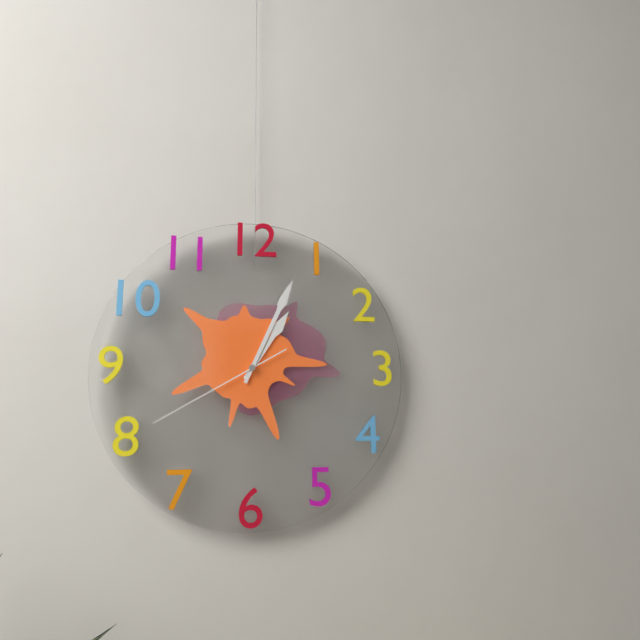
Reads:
h=1 m=4 s=40
